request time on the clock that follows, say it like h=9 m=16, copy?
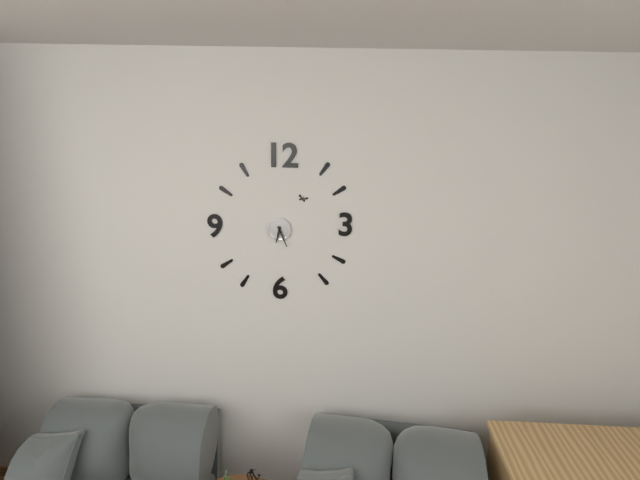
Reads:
h=6 m=26
